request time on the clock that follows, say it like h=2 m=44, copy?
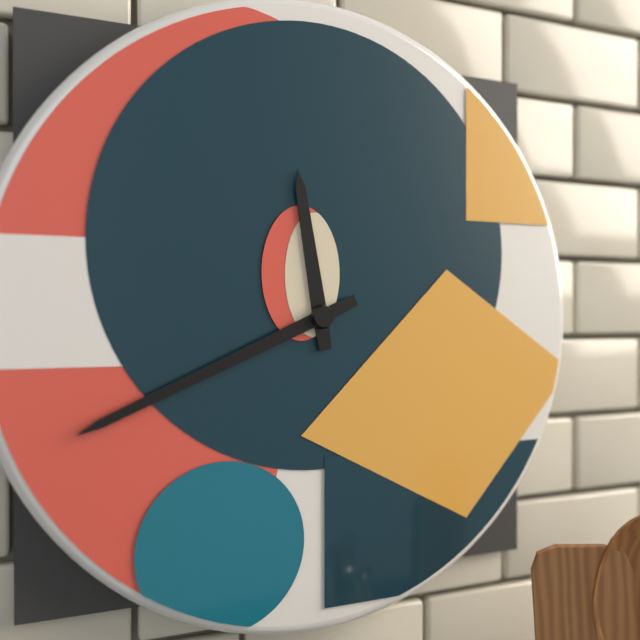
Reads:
h=11 m=41
